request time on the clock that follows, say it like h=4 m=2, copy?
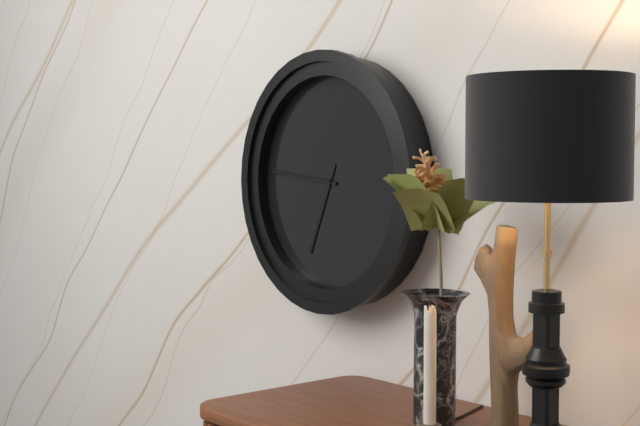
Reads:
h=6 m=46
